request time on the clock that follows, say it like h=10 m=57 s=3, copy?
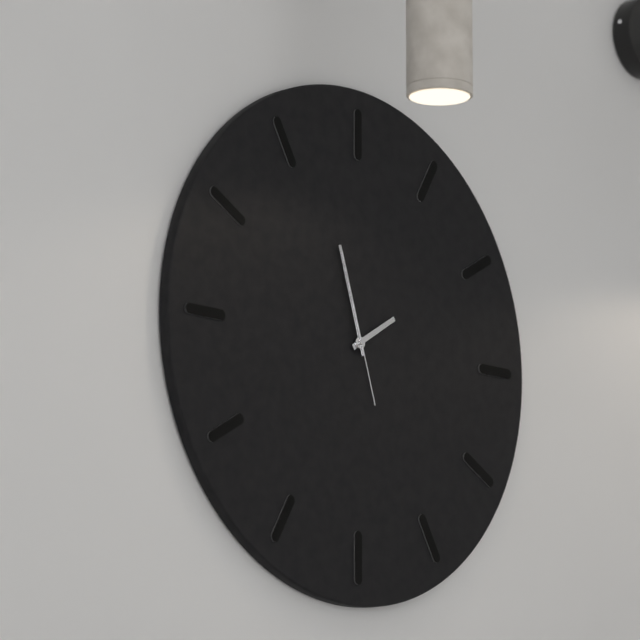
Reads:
h=1 m=57 s=57
